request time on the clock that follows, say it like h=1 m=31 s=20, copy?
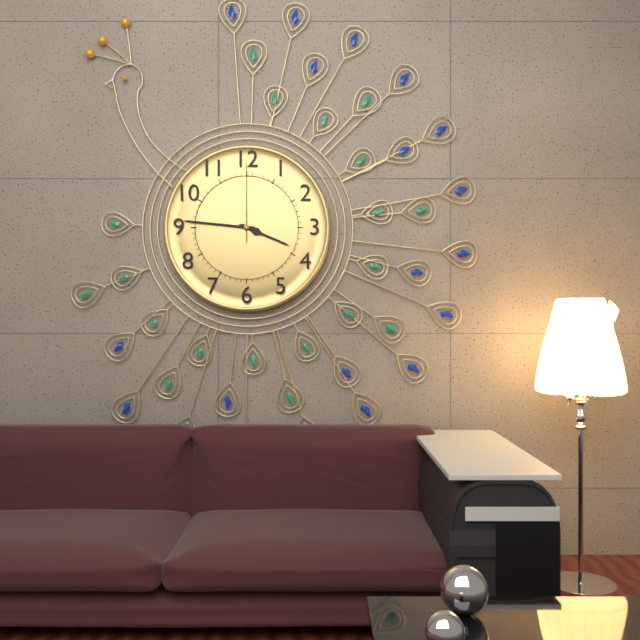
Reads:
h=3 m=46 s=0
